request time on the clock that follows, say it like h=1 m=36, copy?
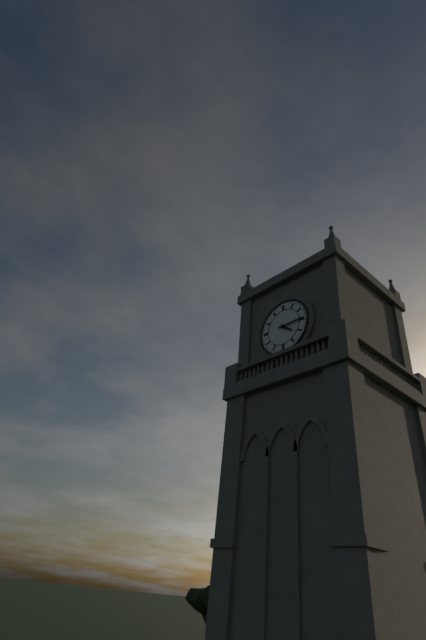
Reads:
h=4 m=15
